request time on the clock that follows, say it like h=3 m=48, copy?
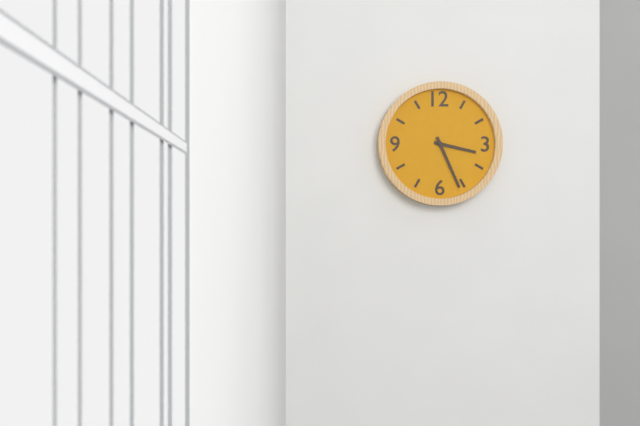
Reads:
h=3 m=26
